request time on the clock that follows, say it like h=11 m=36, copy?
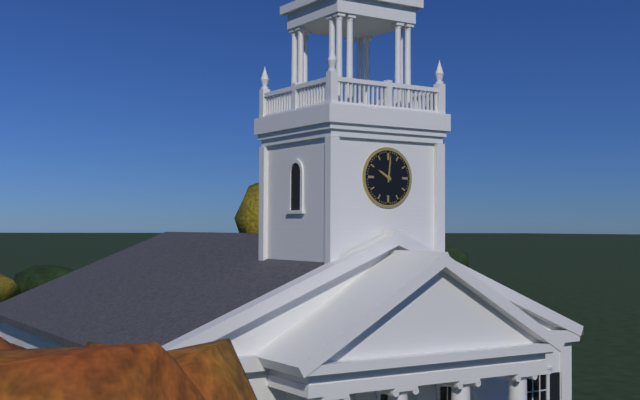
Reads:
h=10 m=1
